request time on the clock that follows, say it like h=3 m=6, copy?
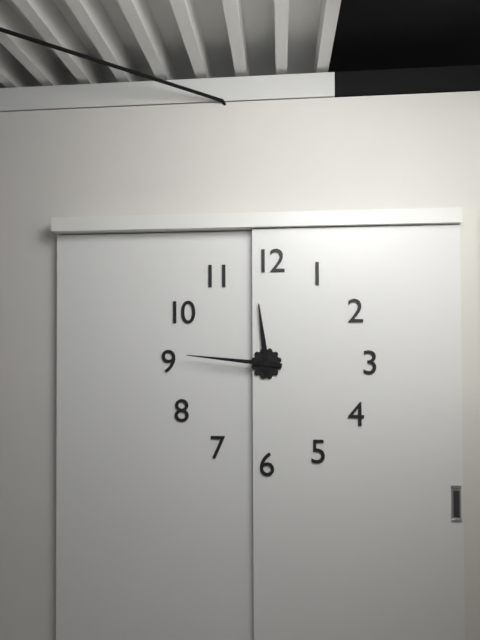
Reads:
h=11 m=46
